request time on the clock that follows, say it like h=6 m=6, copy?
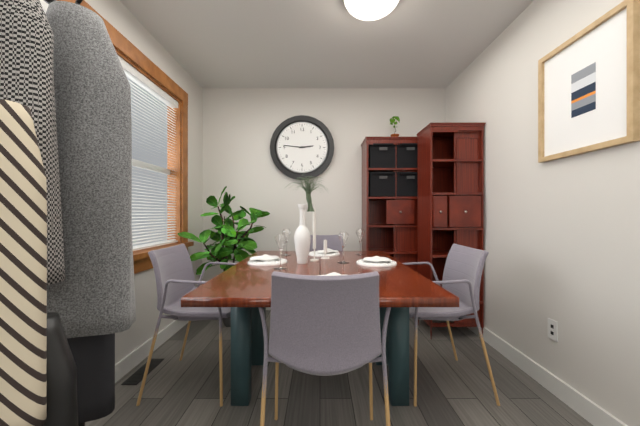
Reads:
h=2 m=46
